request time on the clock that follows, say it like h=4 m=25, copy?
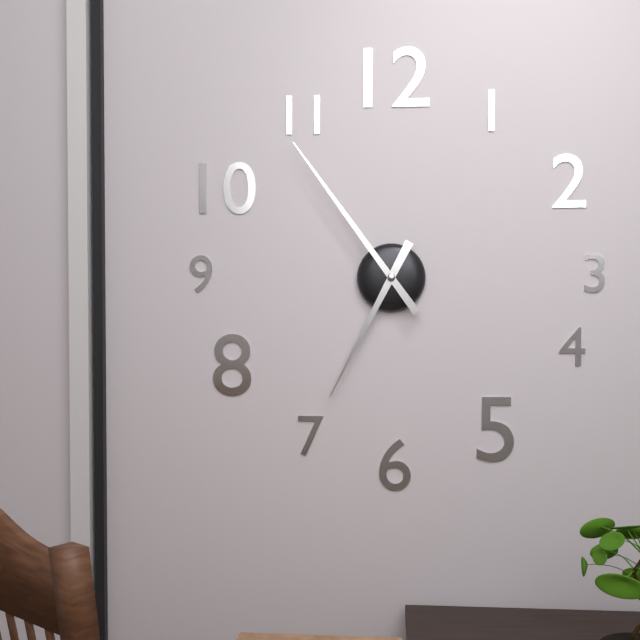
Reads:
h=6 m=54
